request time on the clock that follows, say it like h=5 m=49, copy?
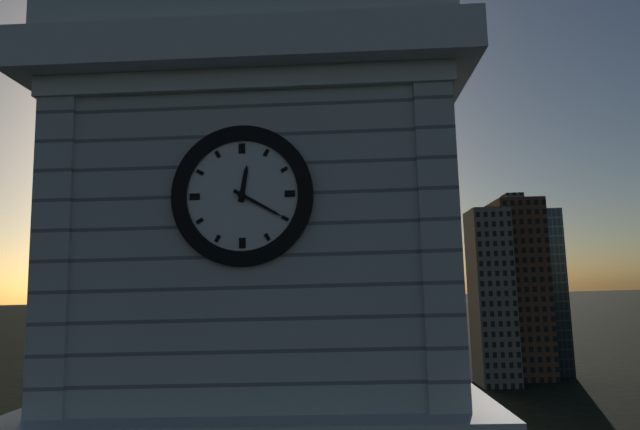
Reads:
h=12 m=20
